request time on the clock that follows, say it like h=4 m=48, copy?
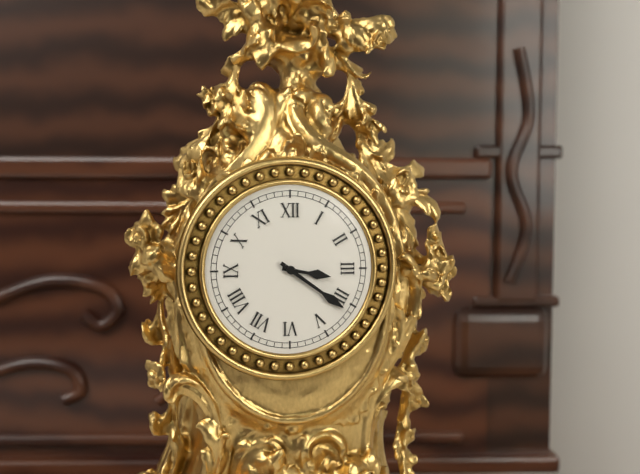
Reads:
h=3 m=21
